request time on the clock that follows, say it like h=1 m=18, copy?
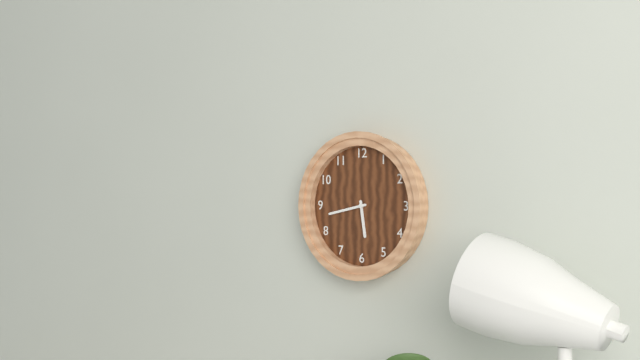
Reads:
h=5 m=43
